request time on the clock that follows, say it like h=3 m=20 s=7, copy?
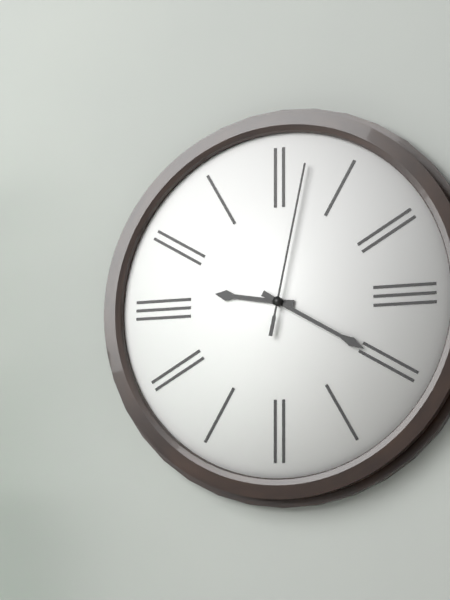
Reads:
h=9 m=20 s=2
